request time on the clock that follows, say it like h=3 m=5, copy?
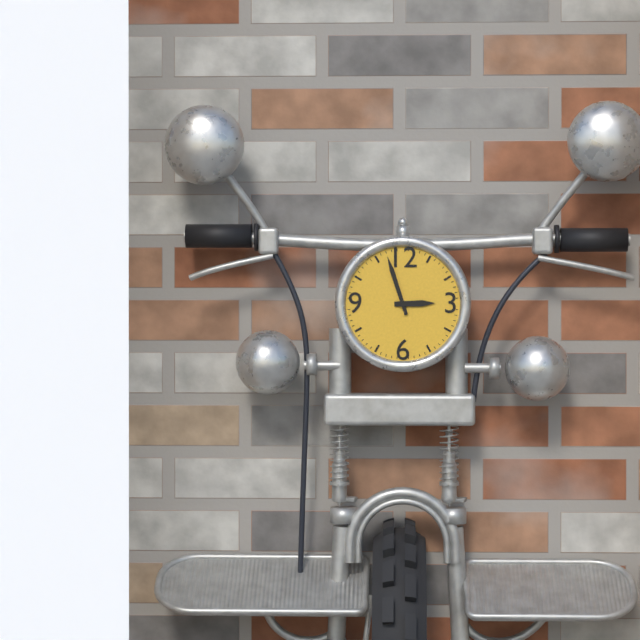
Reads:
h=2 m=57
